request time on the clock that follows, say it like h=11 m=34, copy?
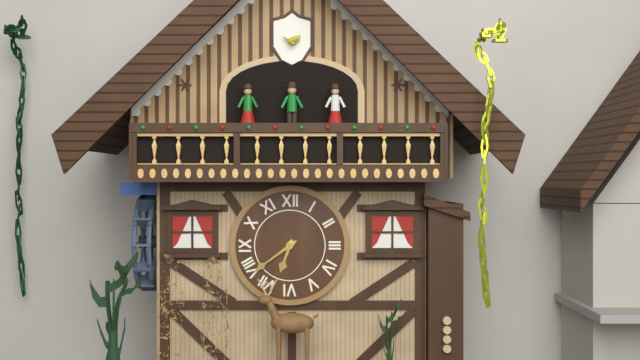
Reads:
h=6 m=39
